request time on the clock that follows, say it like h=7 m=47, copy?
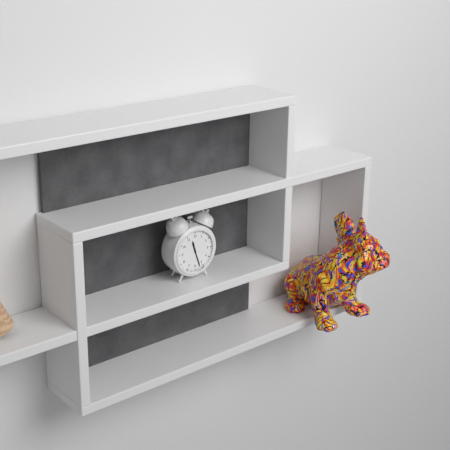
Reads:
h=11 m=27
